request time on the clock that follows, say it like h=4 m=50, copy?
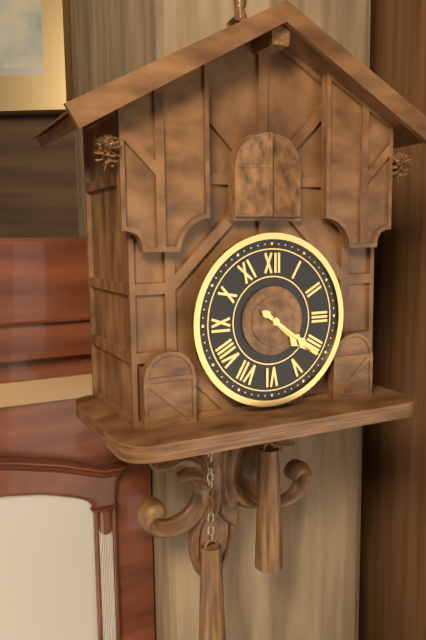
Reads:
h=4 m=21
